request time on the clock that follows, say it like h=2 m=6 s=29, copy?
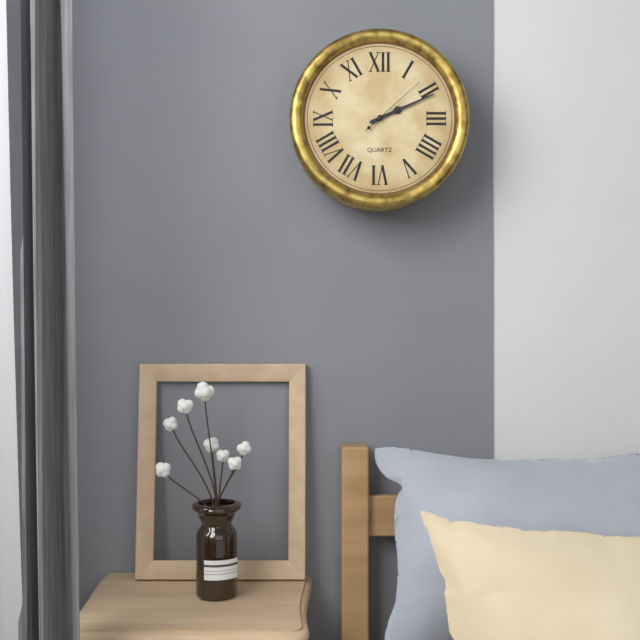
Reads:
h=2 m=11 s=8
